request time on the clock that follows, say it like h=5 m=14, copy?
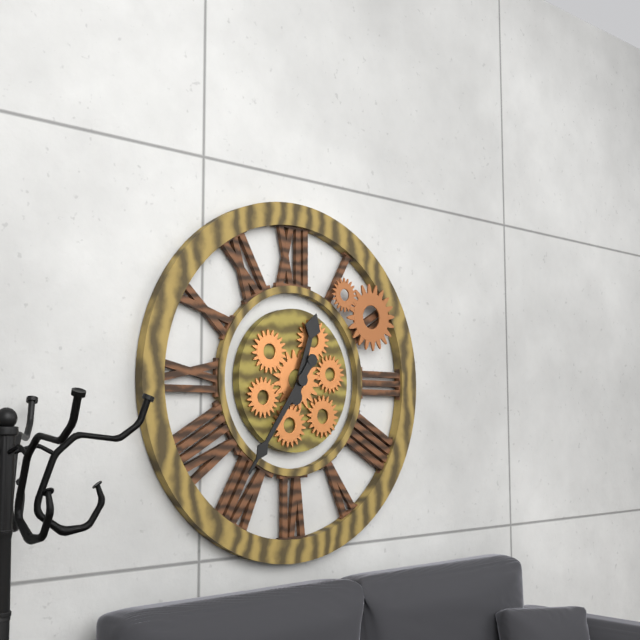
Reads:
h=12 m=36
